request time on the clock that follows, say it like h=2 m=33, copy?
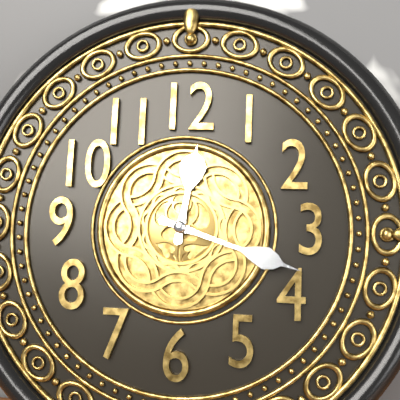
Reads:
h=12 m=18
